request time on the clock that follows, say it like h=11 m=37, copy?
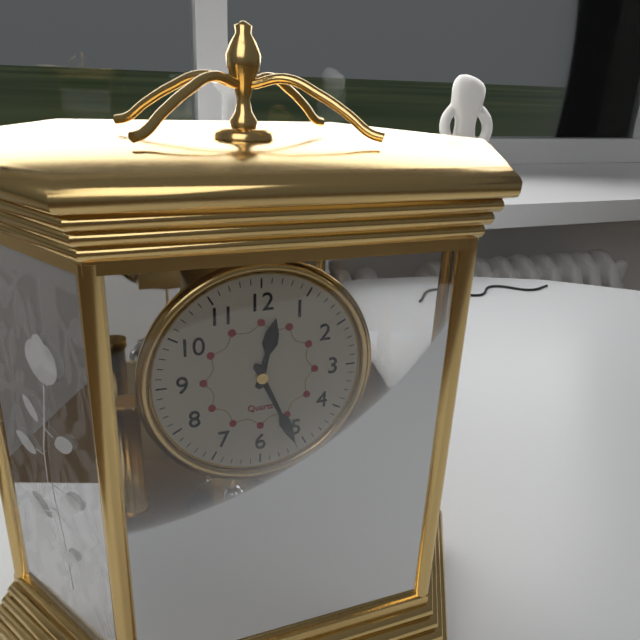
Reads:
h=12 m=26
